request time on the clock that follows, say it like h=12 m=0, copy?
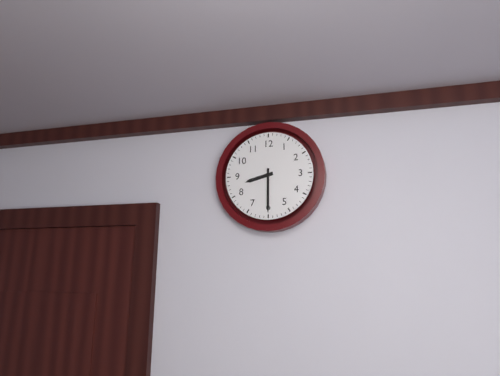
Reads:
h=8 m=30
